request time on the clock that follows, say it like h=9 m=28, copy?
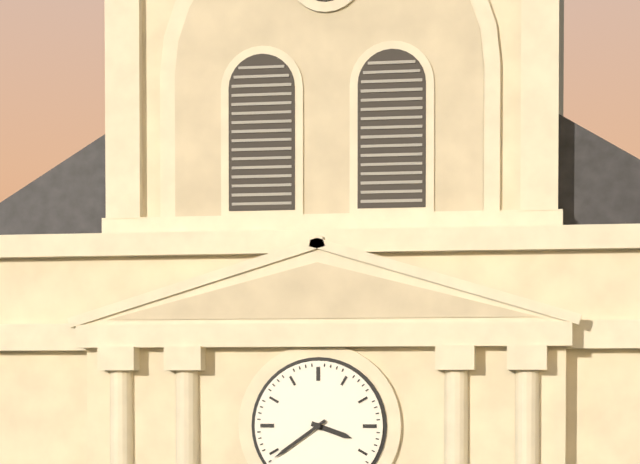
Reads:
h=3 m=39
